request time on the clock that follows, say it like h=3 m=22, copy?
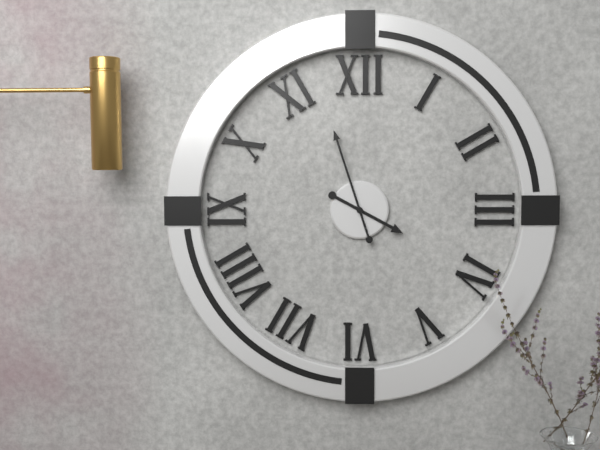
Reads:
h=3 m=57
